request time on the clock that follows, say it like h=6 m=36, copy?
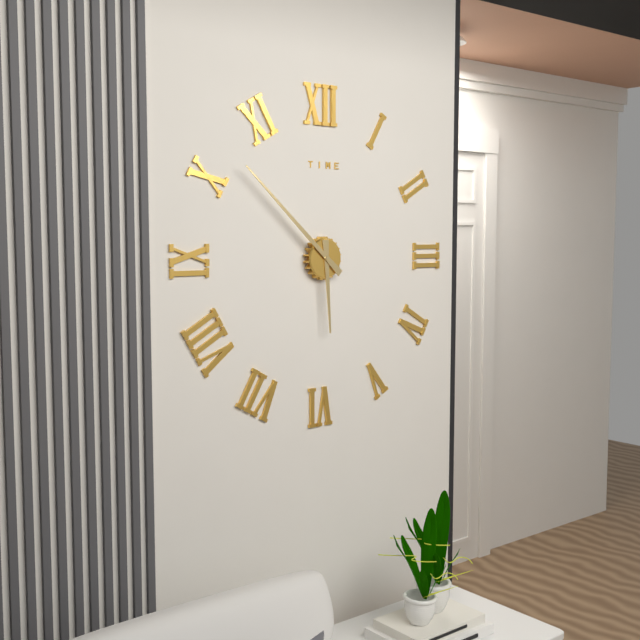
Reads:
h=5 m=52
